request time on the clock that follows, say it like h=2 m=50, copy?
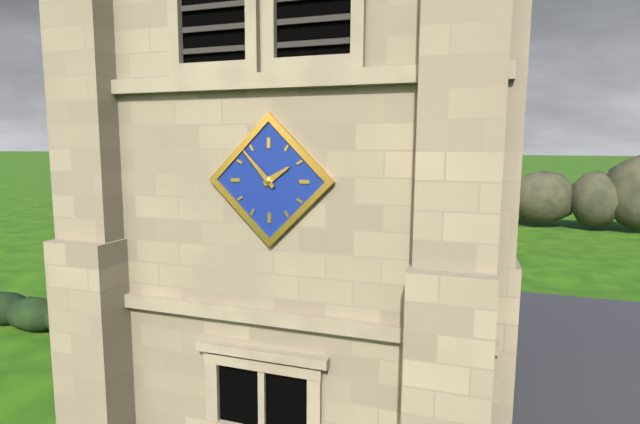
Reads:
h=1 m=53
